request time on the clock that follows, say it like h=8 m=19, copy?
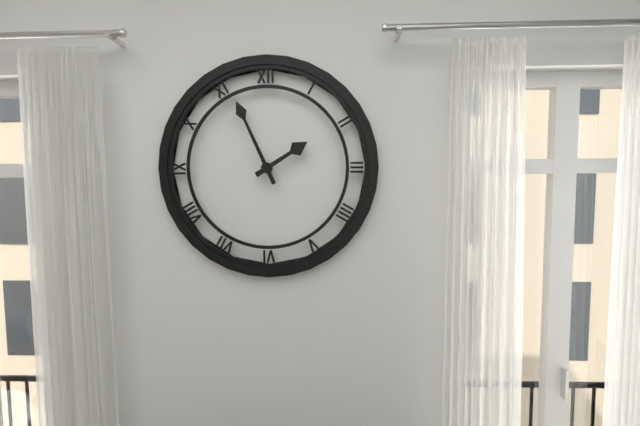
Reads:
h=1 m=56
